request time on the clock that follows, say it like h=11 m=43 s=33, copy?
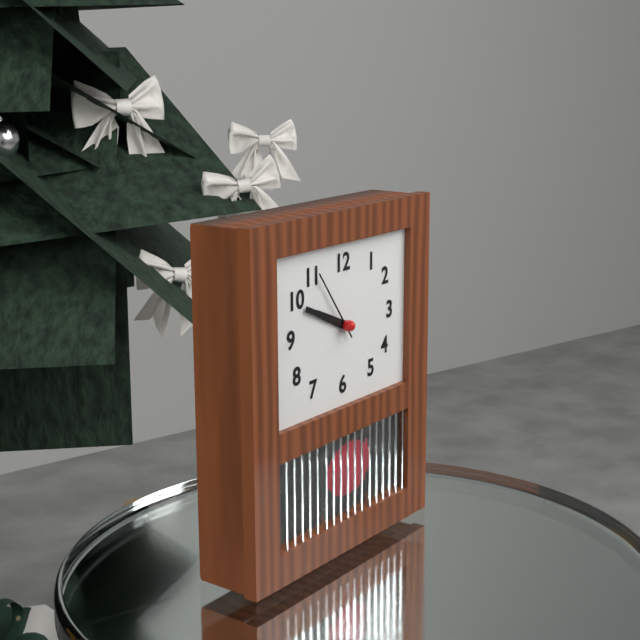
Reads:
h=9 m=49 s=54
